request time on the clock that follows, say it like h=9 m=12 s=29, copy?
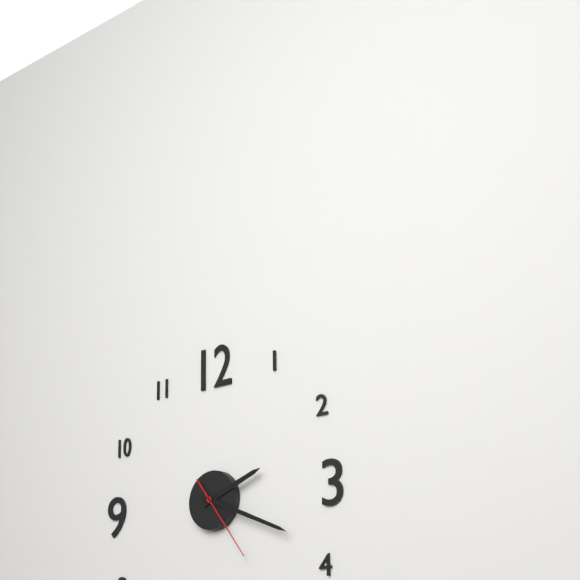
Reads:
h=2 m=19 s=24
